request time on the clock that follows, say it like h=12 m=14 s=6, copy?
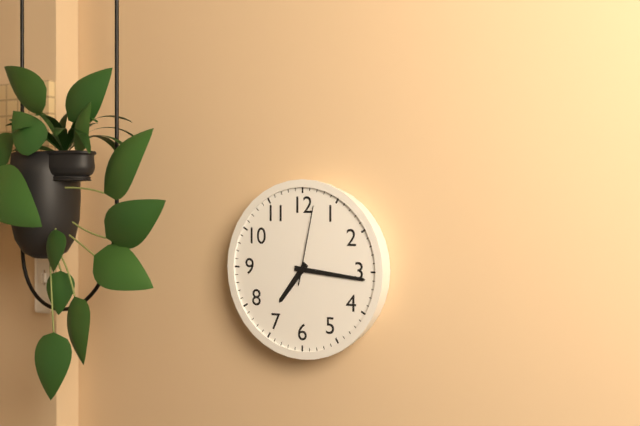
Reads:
h=7 m=16 s=2
